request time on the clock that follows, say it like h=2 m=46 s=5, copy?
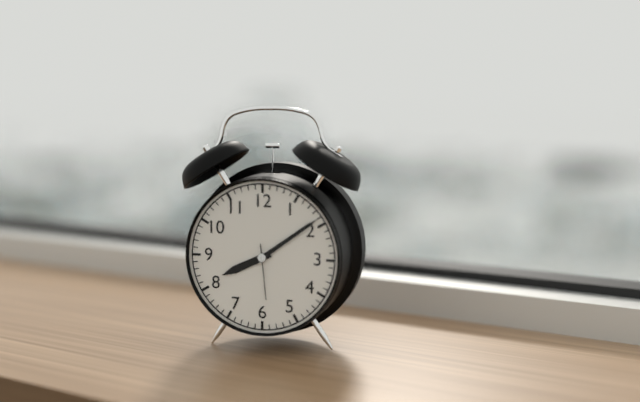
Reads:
h=8 m=9 s=29
